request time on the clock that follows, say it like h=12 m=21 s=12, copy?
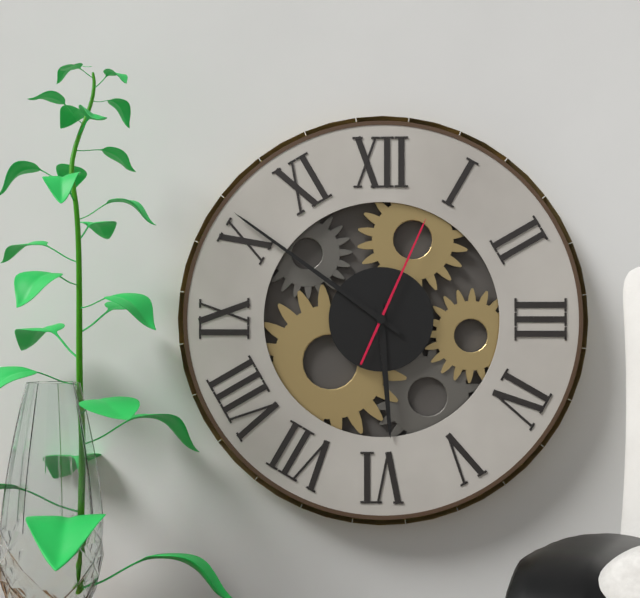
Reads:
h=5 m=51 s=4
